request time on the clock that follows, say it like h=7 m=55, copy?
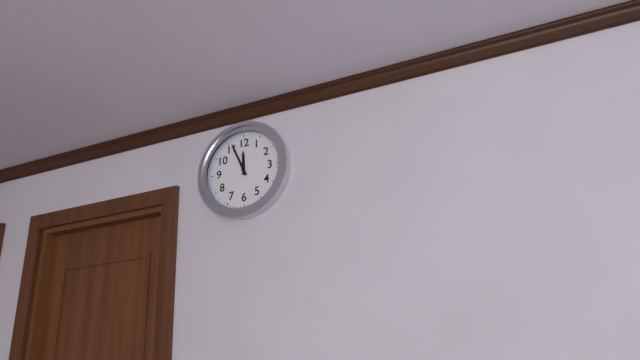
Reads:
h=11 m=56
